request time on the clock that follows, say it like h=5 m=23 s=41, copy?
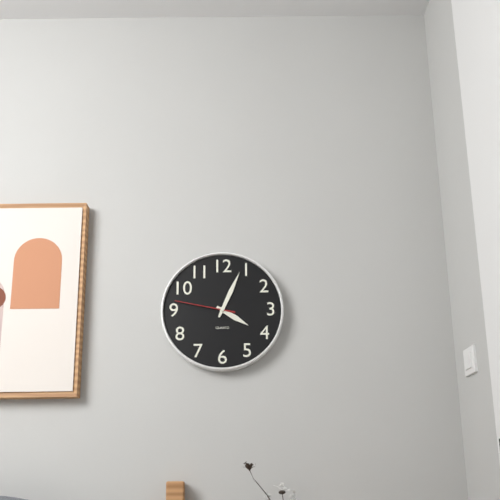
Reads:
h=4 m=4 s=47
